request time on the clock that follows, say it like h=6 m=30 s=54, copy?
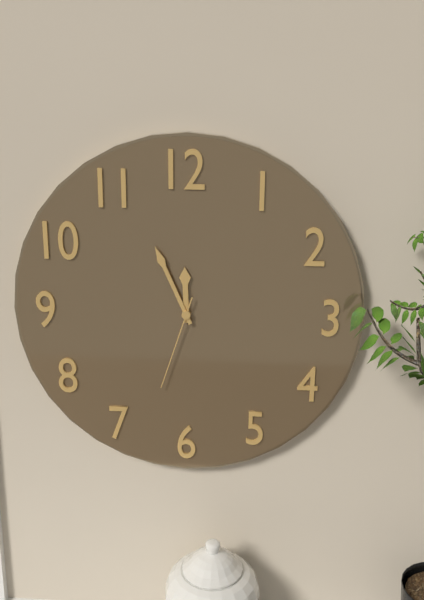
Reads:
h=11 m=56 s=33
